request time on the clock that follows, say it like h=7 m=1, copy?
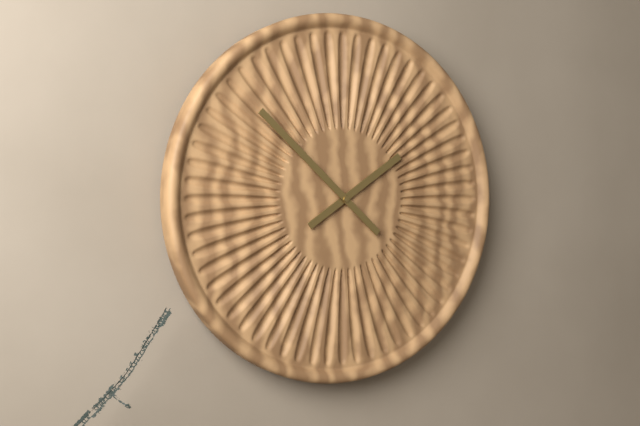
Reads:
h=1 m=52
